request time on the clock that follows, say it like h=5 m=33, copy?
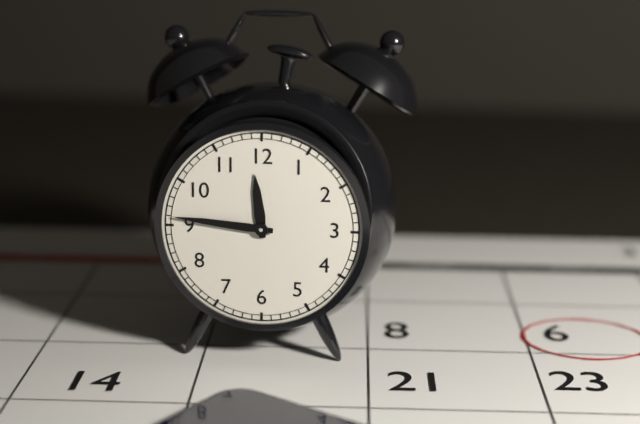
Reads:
h=11 m=46
